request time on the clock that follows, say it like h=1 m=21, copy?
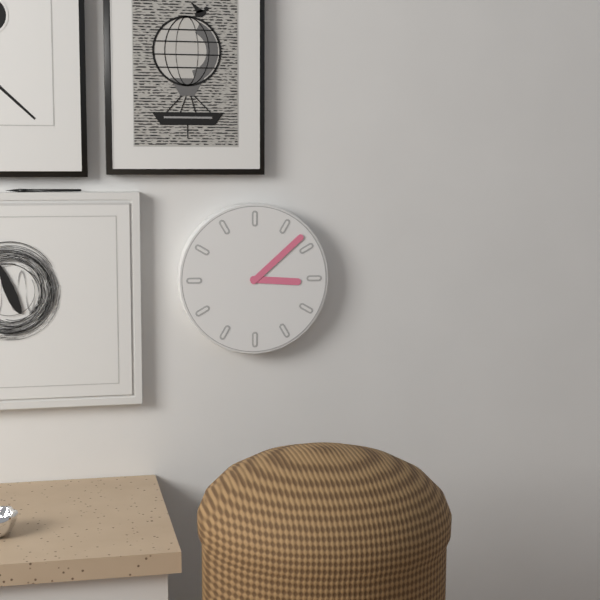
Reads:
h=3 m=8
